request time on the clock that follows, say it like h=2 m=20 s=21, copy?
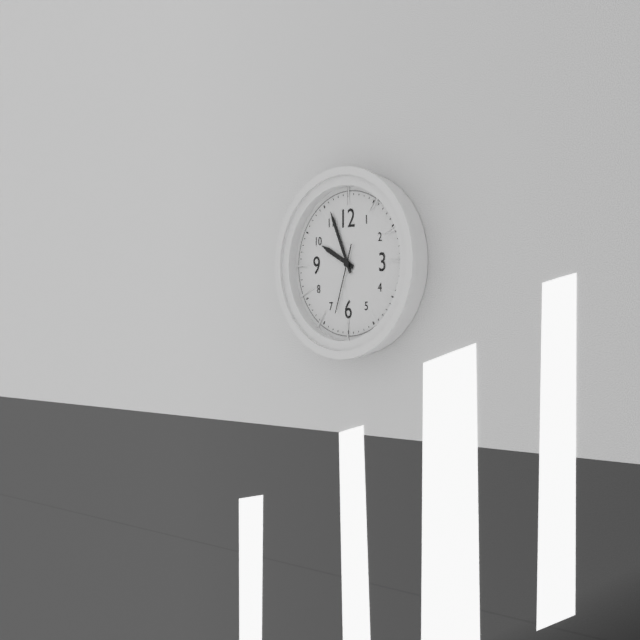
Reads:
h=9 m=56 s=33
